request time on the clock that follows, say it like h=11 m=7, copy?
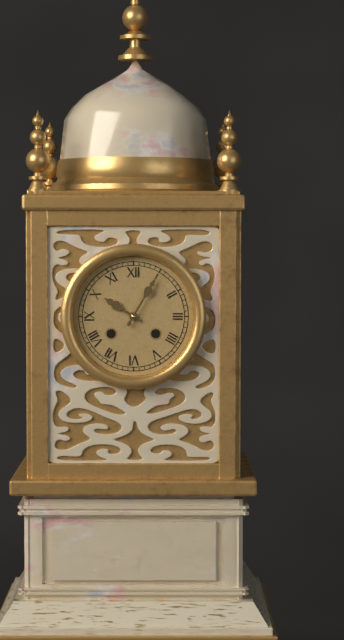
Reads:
h=10 m=5
